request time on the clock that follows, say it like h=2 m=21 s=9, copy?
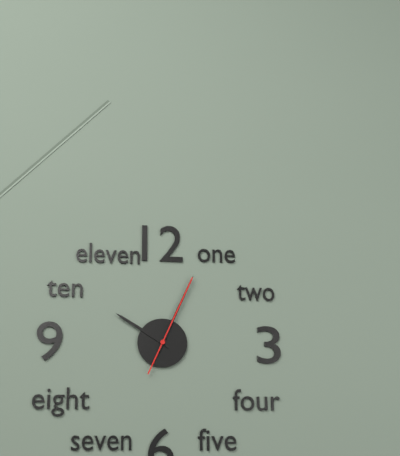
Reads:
h=10 m=4 s=4
